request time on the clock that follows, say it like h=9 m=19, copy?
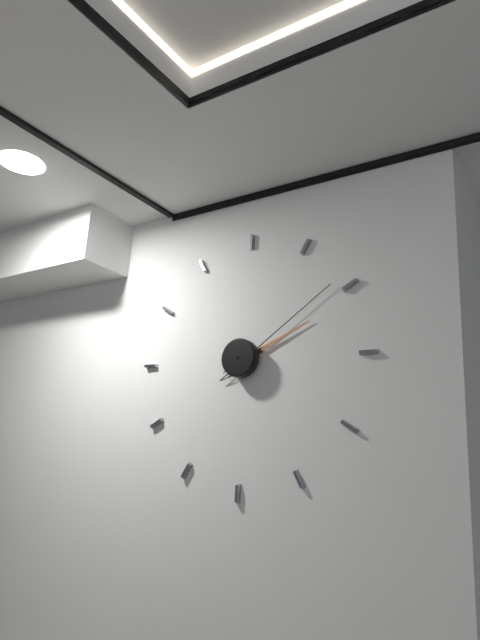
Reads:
h=2 m=9
